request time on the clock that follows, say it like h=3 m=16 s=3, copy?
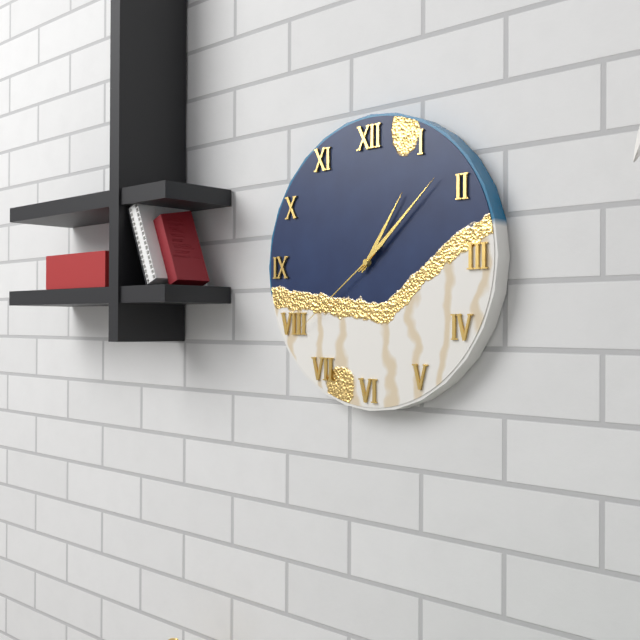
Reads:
h=1 m=8 s=39
